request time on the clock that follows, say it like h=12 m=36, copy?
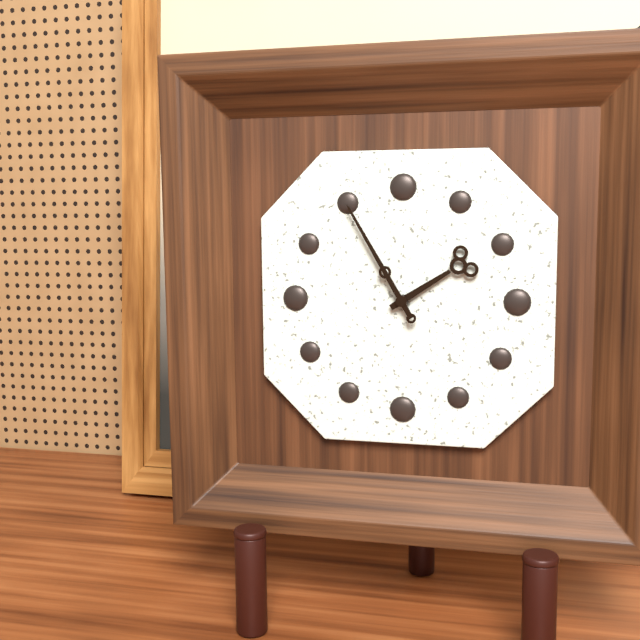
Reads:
h=1 m=55
